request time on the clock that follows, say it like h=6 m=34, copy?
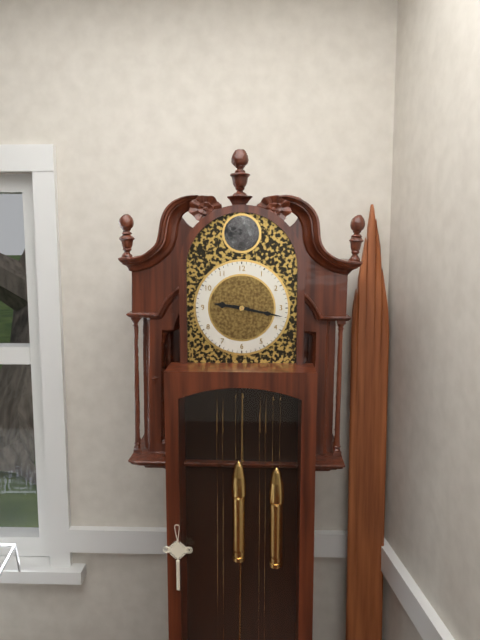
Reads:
h=9 m=17
